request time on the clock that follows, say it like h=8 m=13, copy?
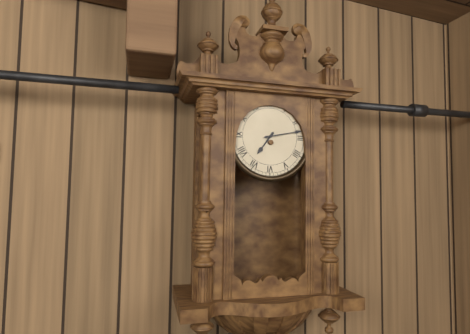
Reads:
h=7 m=13
